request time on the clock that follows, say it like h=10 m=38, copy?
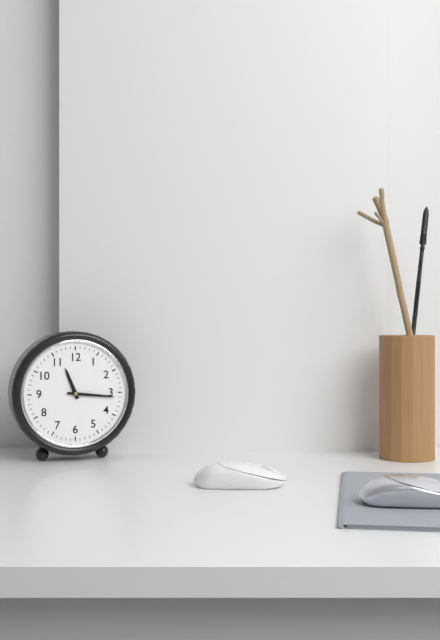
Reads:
h=11 m=16
